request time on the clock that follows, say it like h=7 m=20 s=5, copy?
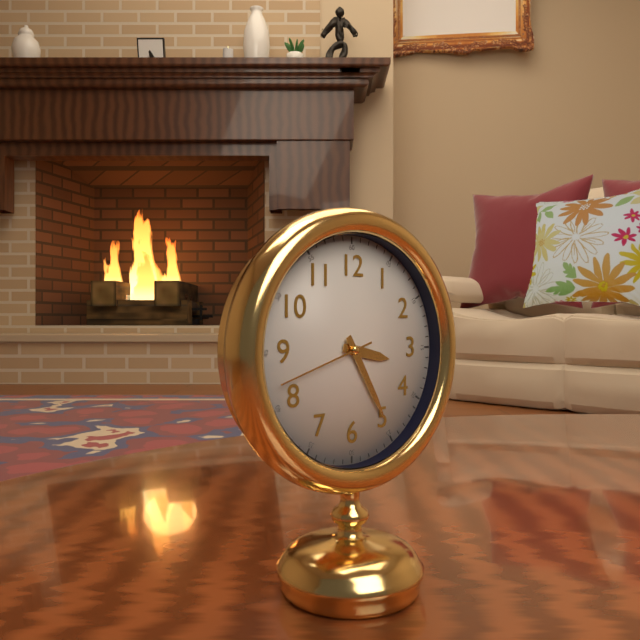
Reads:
h=3 m=25 s=42
